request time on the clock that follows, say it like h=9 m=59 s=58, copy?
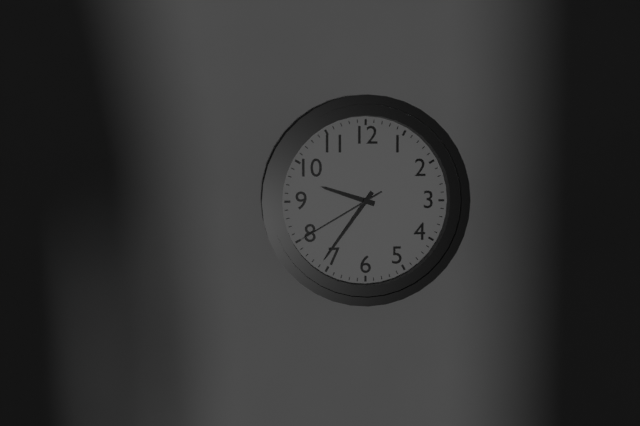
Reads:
h=9 m=36 s=40
